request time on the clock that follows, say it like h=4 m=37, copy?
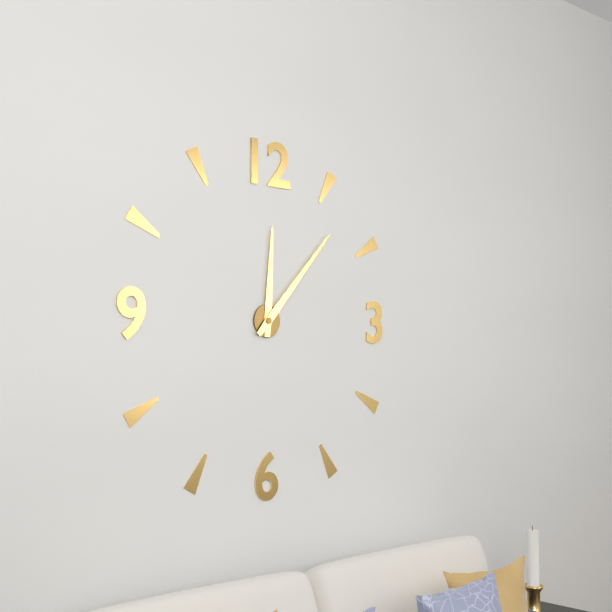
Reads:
h=12 m=7
